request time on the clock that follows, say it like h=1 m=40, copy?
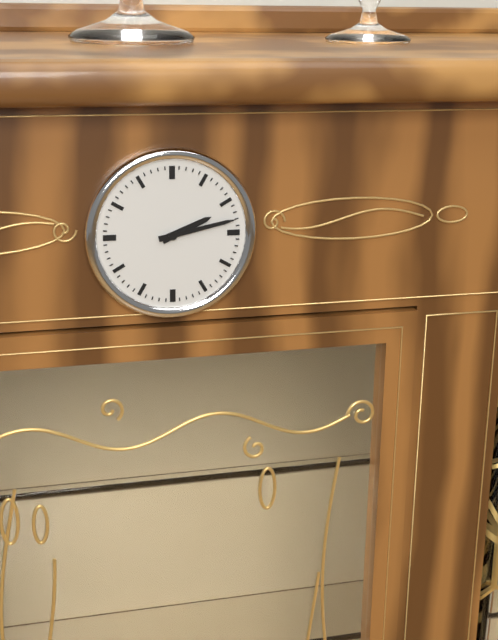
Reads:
h=2 m=13
